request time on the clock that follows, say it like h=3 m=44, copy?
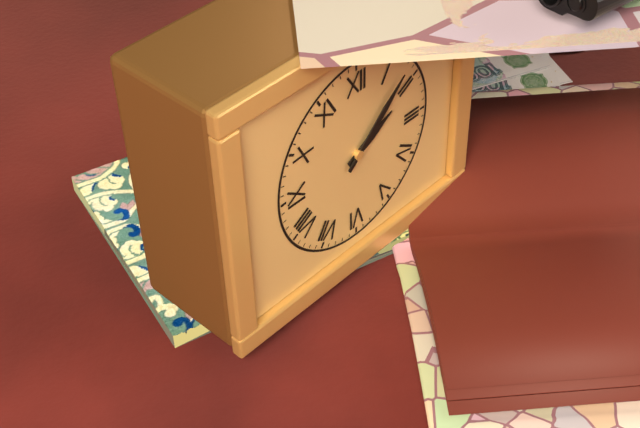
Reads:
h=2 m=8
